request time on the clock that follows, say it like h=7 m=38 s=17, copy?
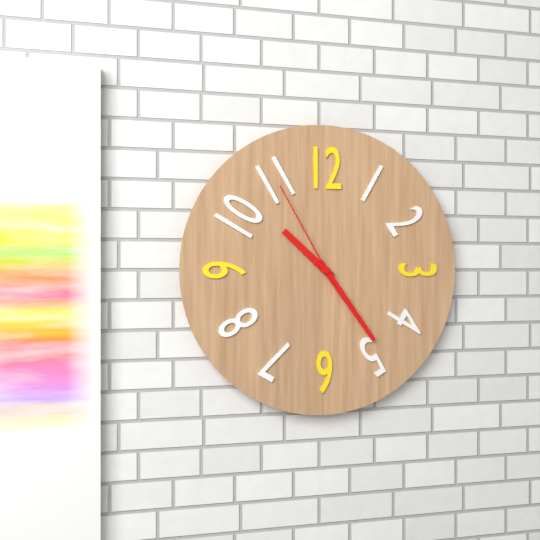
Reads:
h=10 m=24 s=55
